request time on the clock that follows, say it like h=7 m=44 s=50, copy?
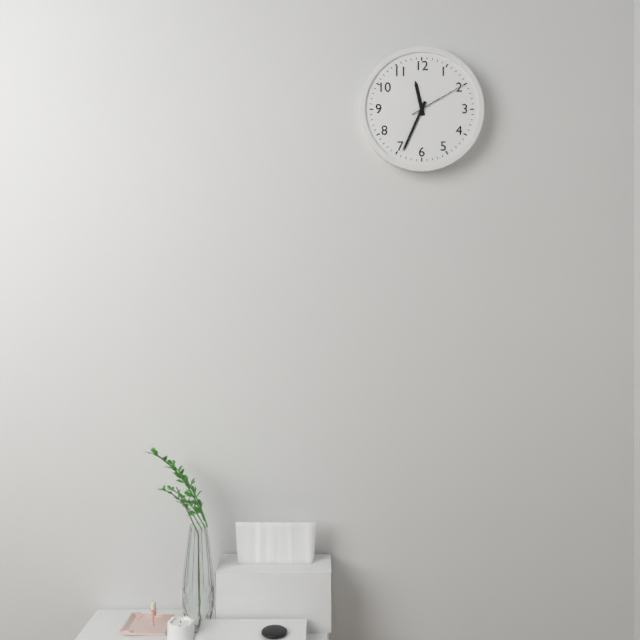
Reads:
h=11 m=34 s=10
